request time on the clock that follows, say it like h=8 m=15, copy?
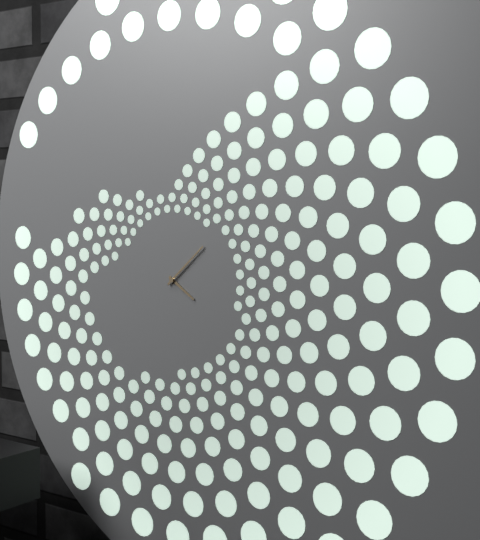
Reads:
h=4 m=8
